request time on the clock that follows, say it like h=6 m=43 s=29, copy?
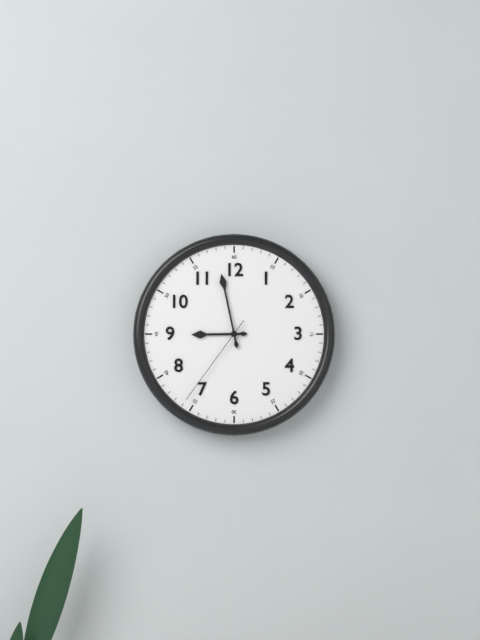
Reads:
h=8 m=58 s=36
